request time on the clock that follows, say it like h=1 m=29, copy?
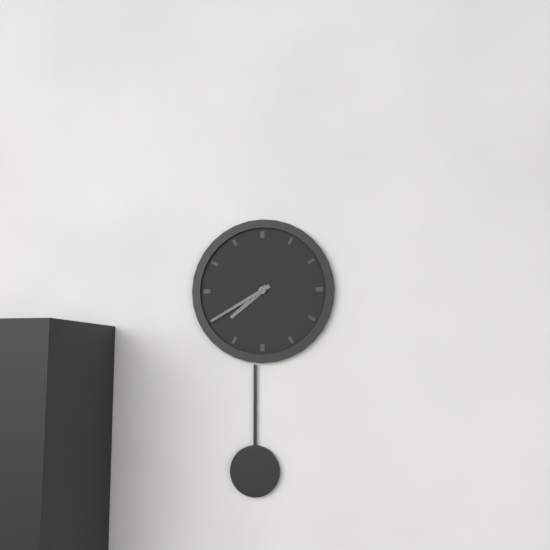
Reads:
h=7 m=40
